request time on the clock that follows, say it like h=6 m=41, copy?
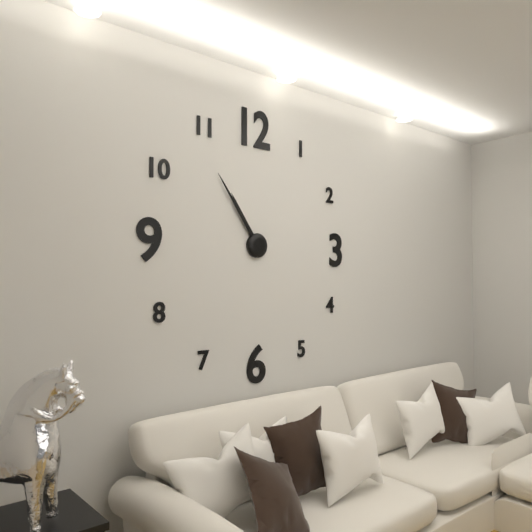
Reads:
h=10 m=54
